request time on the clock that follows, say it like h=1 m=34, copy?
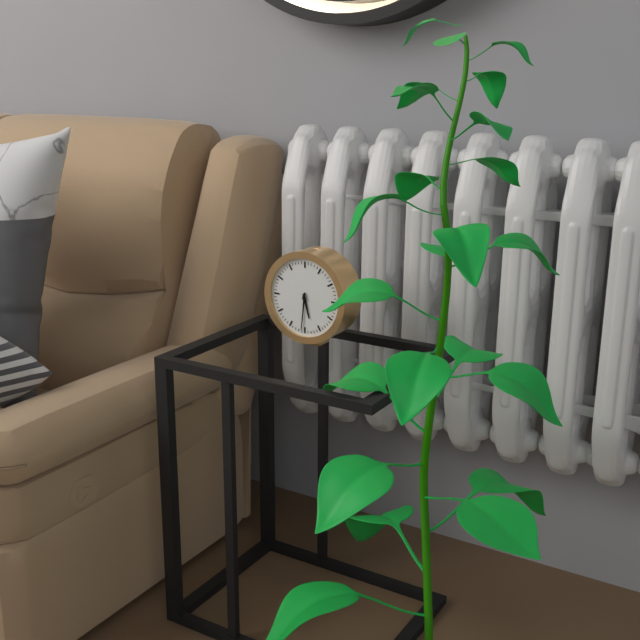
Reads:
h=5 m=31
